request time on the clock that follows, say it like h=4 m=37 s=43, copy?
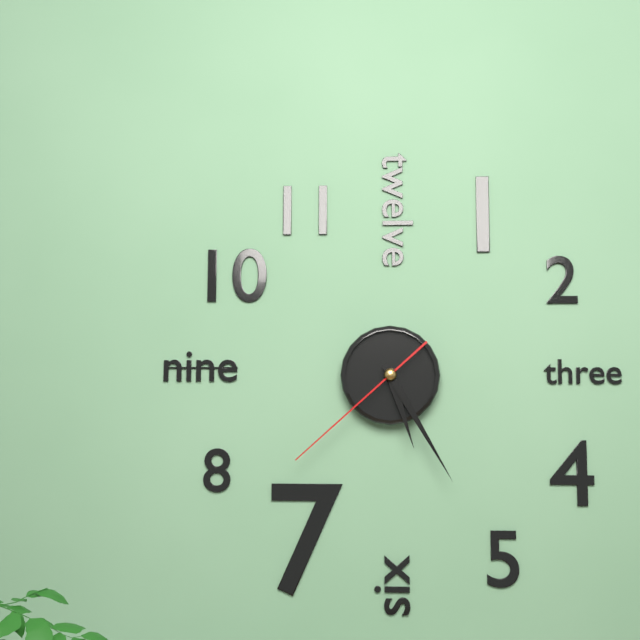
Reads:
h=5 m=25 s=38
